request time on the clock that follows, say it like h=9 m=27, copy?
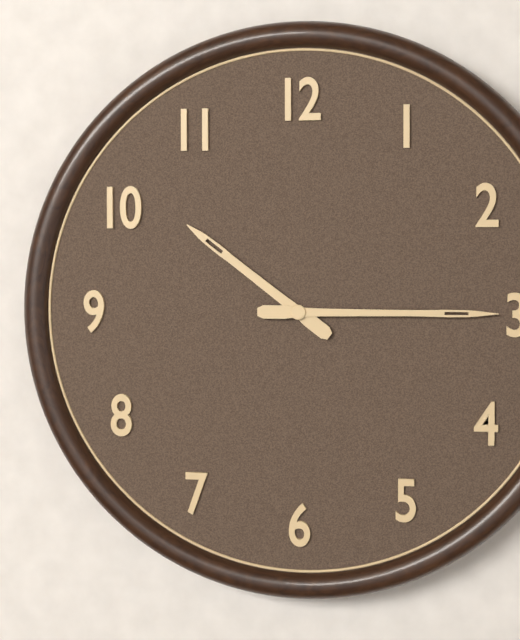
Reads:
h=10 m=15
